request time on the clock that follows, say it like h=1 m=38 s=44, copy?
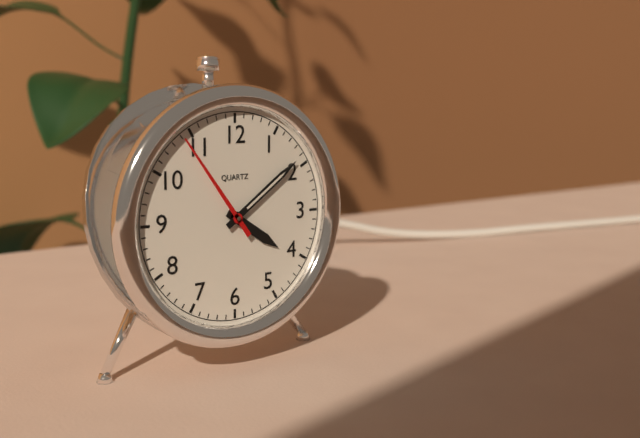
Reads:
h=4 m=9 s=54
